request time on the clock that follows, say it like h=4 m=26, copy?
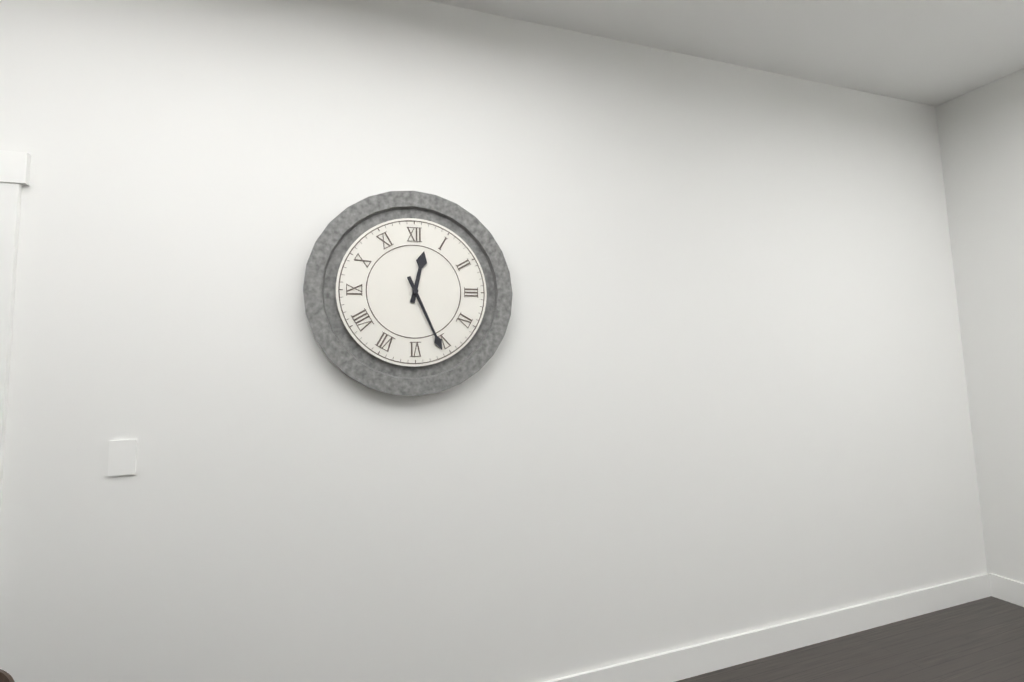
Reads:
h=12 m=26
